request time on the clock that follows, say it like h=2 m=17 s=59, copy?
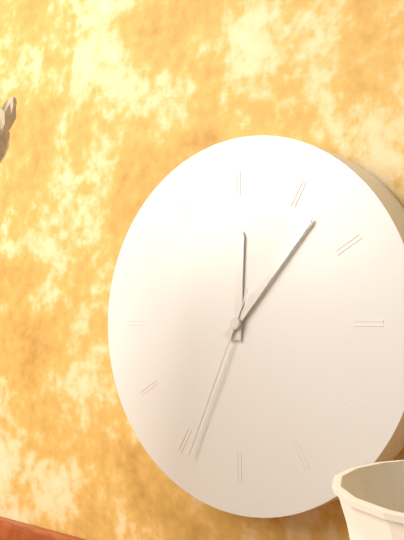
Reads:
h=12 m=7 s=34
